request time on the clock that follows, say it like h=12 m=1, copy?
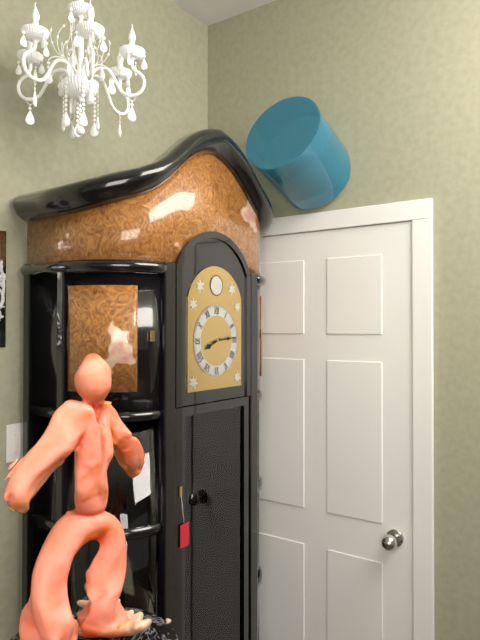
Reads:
h=8 m=14
